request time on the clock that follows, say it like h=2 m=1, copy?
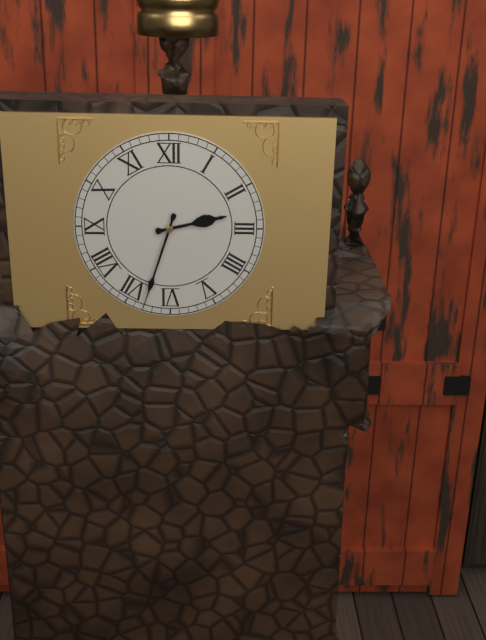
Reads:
h=2 m=33
